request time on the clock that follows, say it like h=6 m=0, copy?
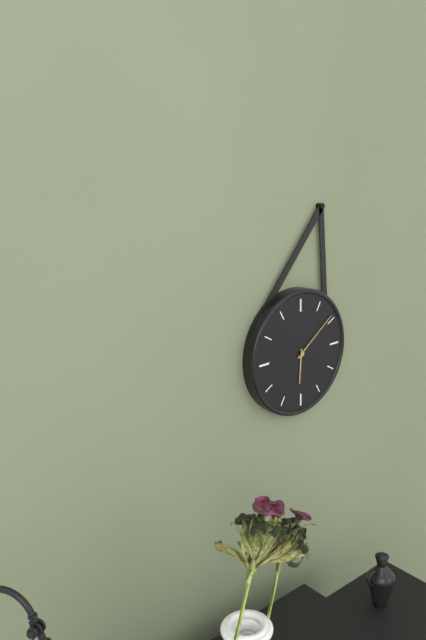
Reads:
h=6 m=9
